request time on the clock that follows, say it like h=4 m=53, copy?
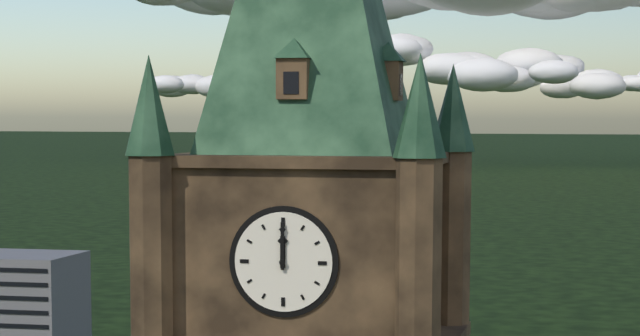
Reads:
h=12 m=0
